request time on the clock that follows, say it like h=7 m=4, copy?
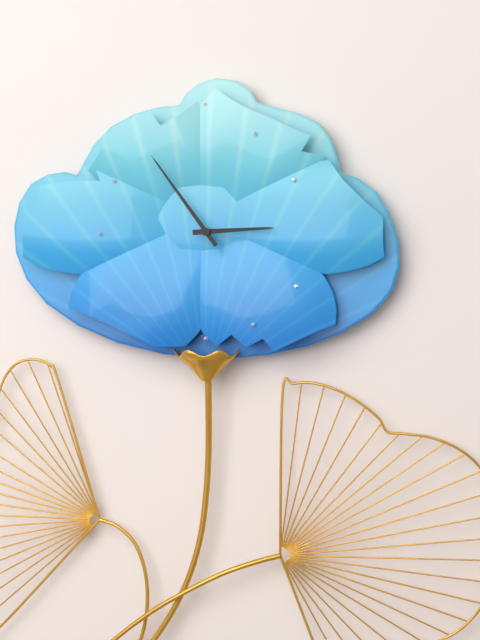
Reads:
h=2 m=54
